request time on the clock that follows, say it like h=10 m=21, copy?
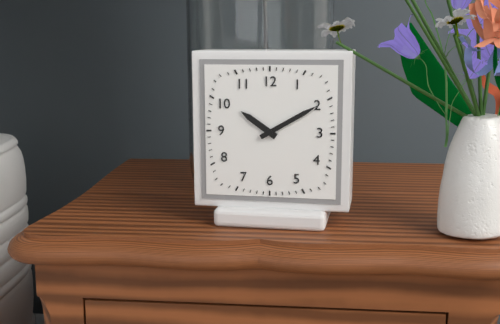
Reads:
h=10 m=10
